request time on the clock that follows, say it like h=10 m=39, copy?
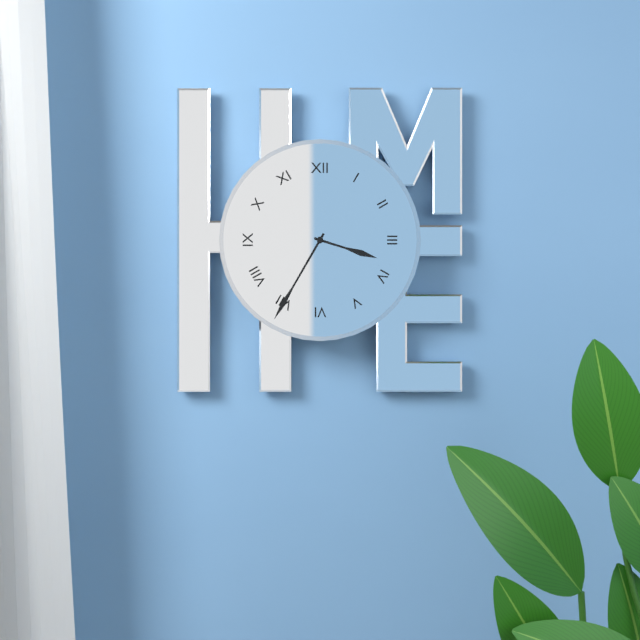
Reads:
h=3 m=35
